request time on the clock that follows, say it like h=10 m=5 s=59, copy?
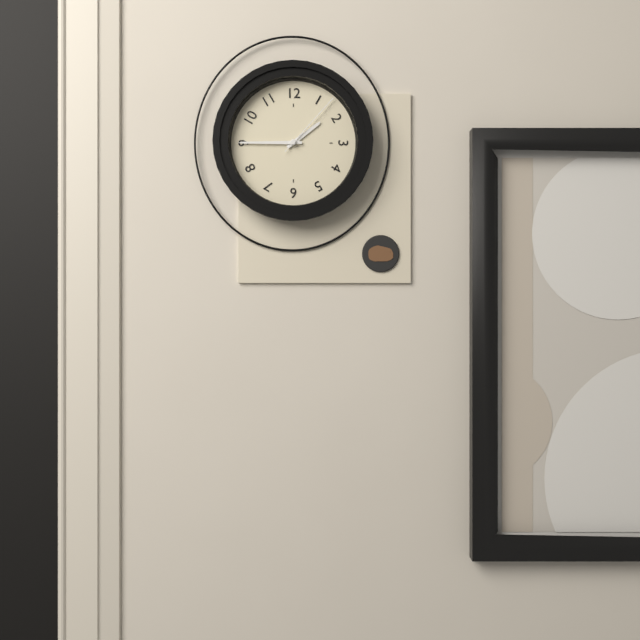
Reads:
h=1 m=45 s=7
